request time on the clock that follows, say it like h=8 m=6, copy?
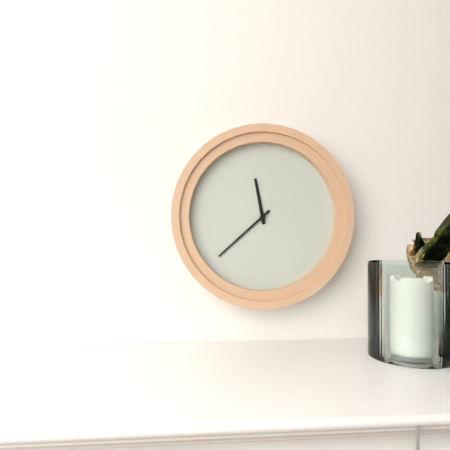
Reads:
h=11 m=38
